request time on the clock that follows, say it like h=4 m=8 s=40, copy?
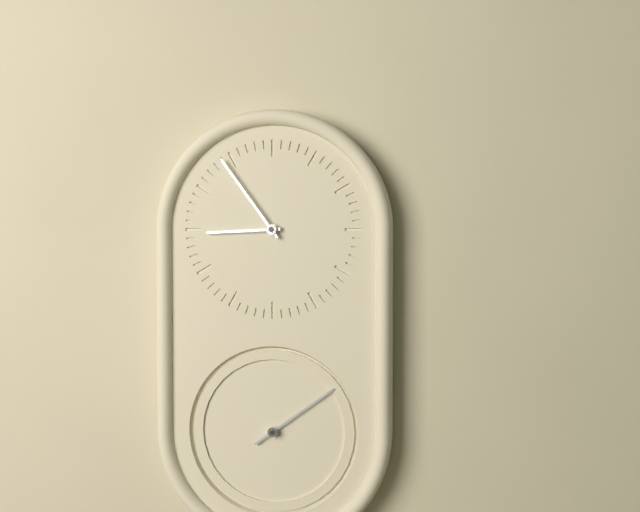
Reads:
h=8 m=54 s=9
